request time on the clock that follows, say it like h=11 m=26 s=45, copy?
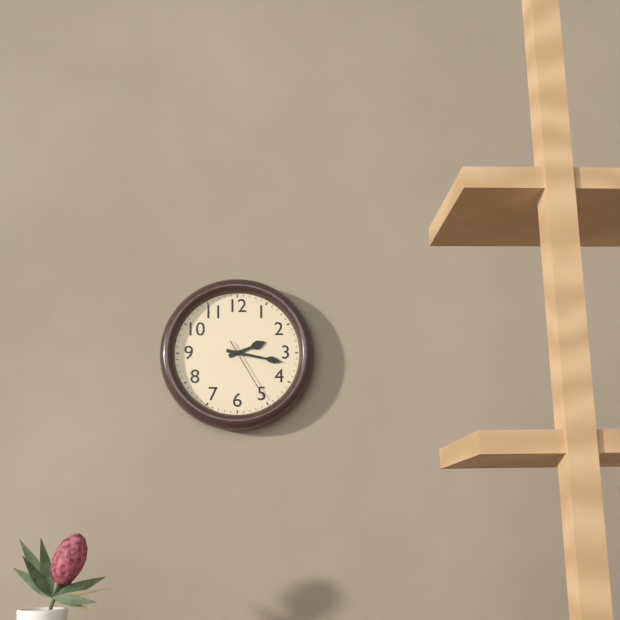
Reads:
h=2 m=17 s=25
